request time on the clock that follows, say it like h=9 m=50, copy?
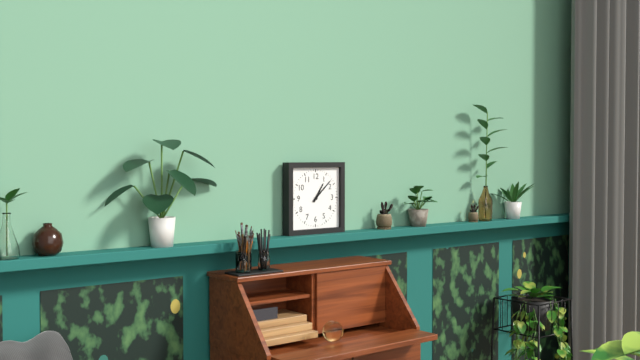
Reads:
h=1 m=8
